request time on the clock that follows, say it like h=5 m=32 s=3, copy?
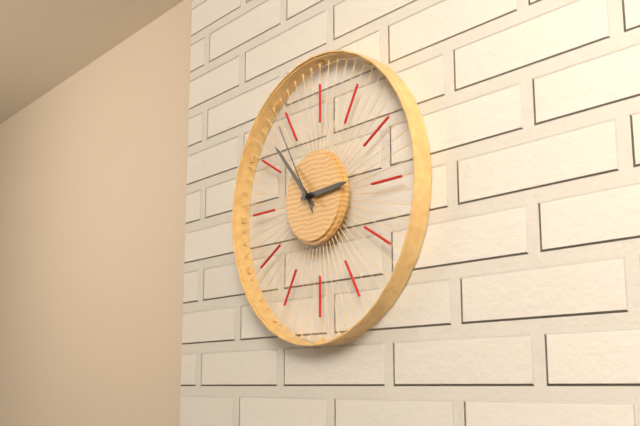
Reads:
h=2 m=53 s=55
